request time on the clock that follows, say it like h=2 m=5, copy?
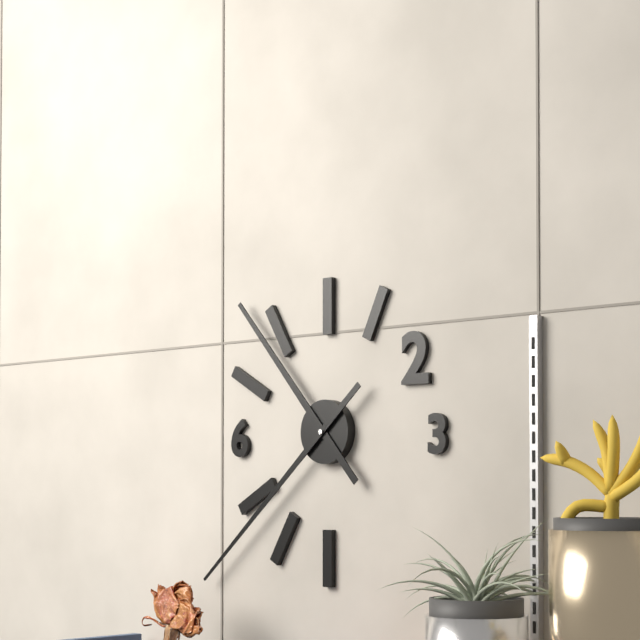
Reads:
h=10 m=38
